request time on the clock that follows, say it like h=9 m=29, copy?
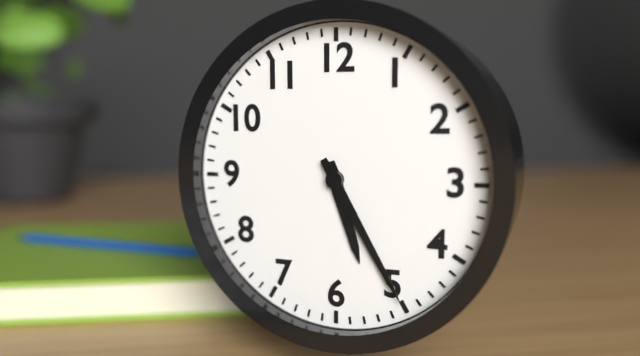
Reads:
h=5 m=25
